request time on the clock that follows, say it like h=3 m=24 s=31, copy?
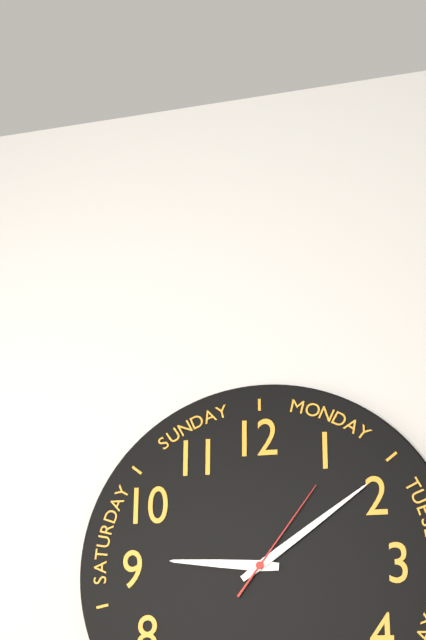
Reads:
h=9 m=9 s=6
